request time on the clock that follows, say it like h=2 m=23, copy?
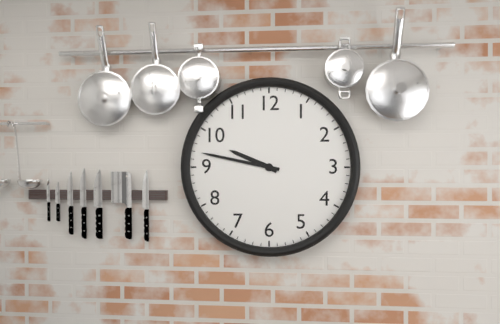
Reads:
h=9 m=47
